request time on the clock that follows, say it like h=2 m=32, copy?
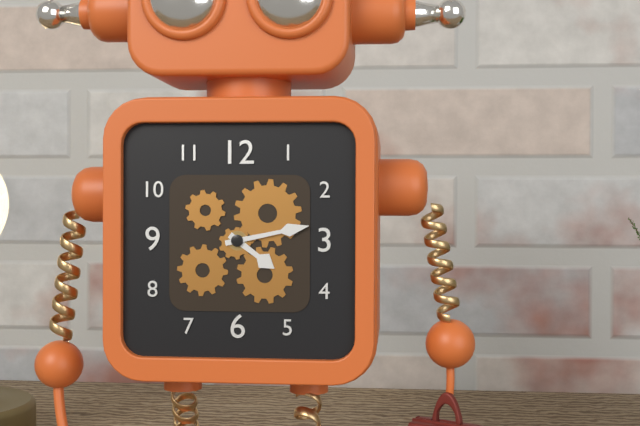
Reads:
h=4 m=13
